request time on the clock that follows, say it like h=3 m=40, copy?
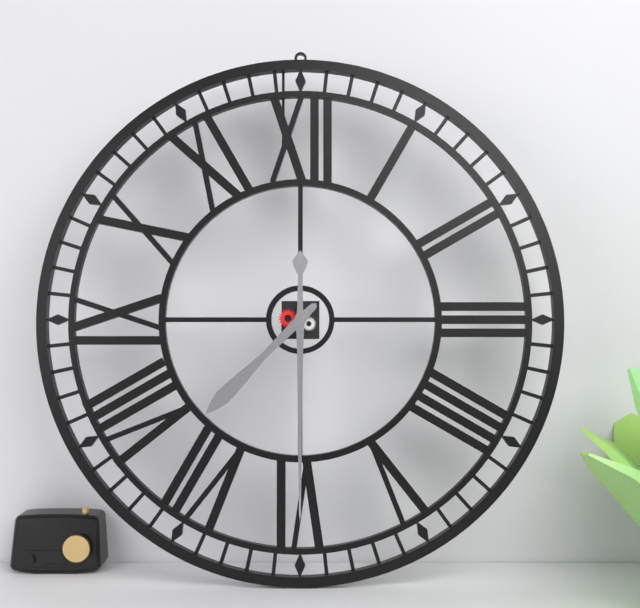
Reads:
h=7 m=30
